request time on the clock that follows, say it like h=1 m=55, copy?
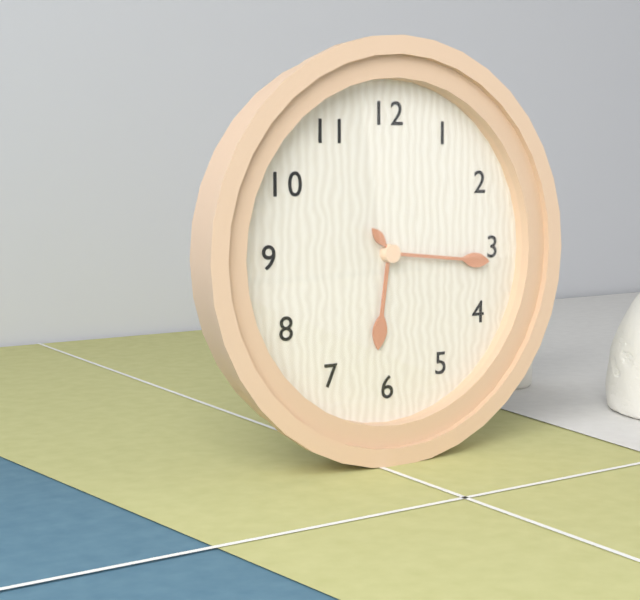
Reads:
h=6 m=16
